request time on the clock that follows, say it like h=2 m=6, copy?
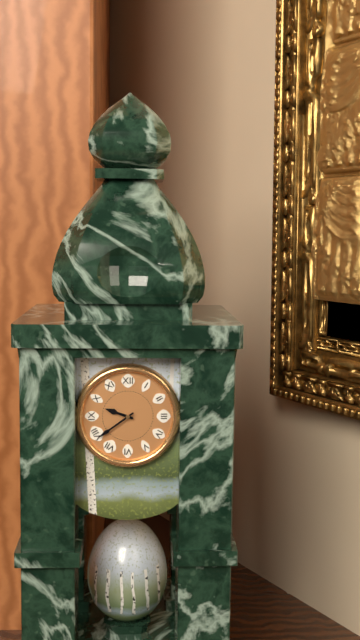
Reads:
h=9 m=39
